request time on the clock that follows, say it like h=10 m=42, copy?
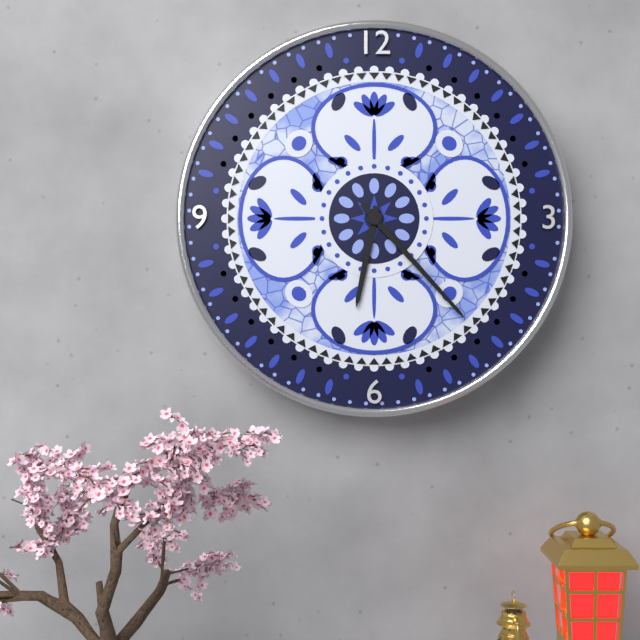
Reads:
h=6 m=23
